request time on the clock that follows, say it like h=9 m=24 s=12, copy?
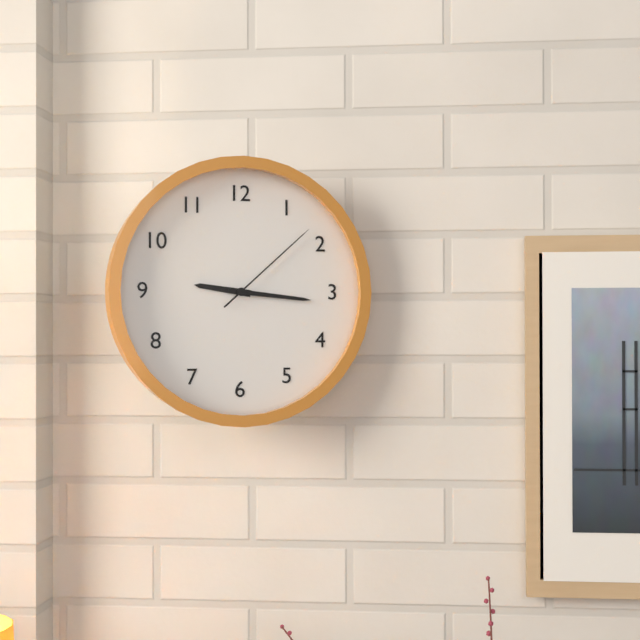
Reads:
h=9 m=16 s=8
